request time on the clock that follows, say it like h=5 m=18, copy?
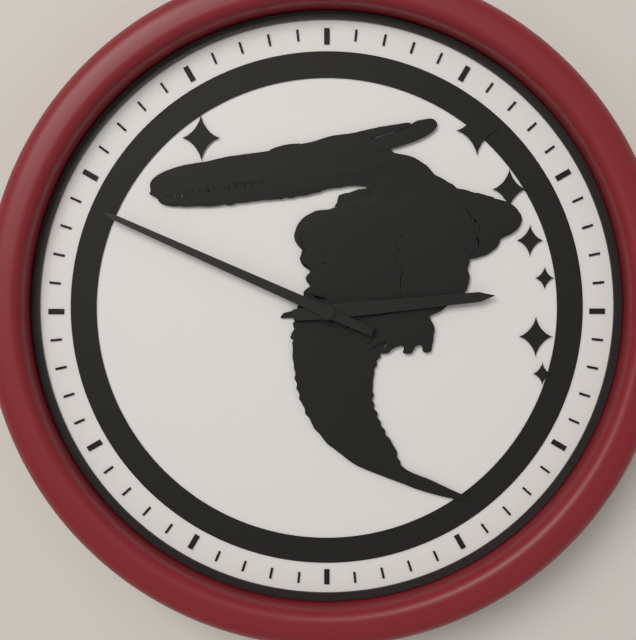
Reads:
h=2 m=49
